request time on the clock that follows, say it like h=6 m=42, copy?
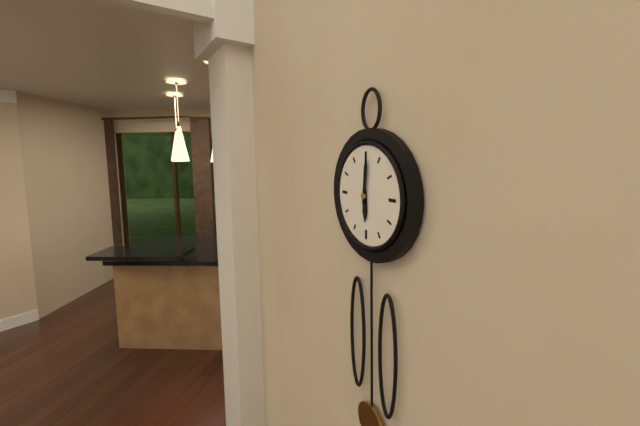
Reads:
h=6 m=1
